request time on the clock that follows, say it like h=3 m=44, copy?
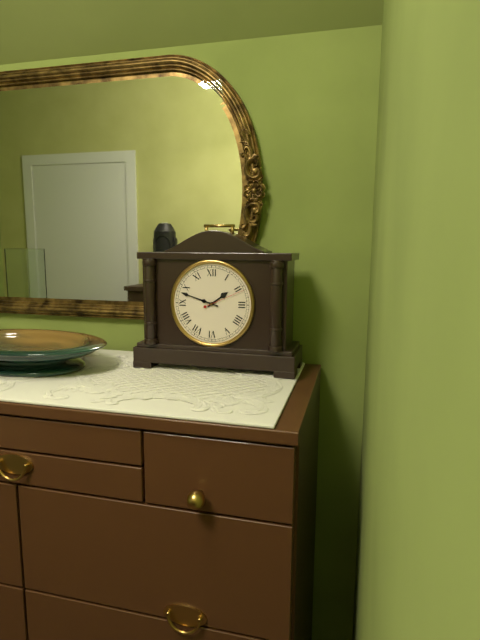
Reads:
h=1 m=48
